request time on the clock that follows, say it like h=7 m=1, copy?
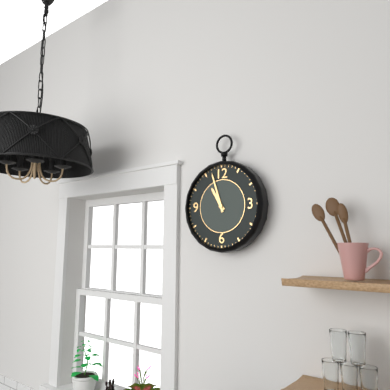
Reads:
h=10 m=57
